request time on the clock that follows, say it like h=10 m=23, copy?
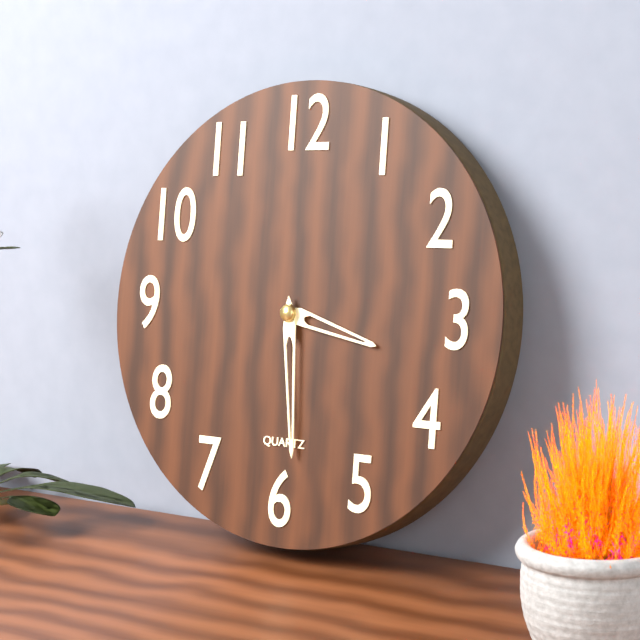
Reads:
h=3 m=29
